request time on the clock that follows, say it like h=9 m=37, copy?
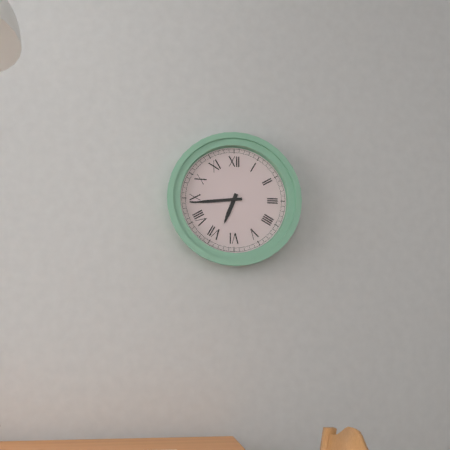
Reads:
h=6 m=44
